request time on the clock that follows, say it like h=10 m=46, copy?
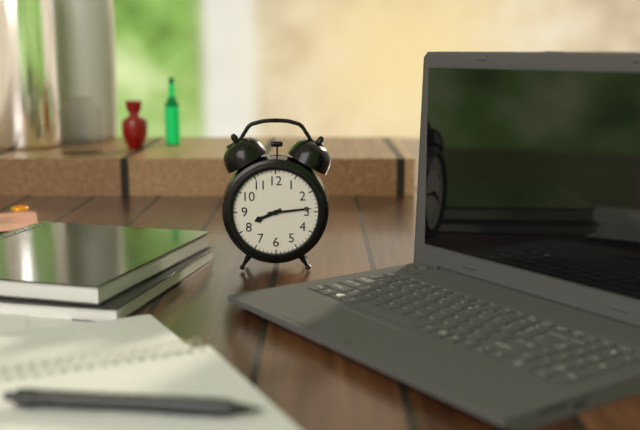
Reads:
h=8 m=14
